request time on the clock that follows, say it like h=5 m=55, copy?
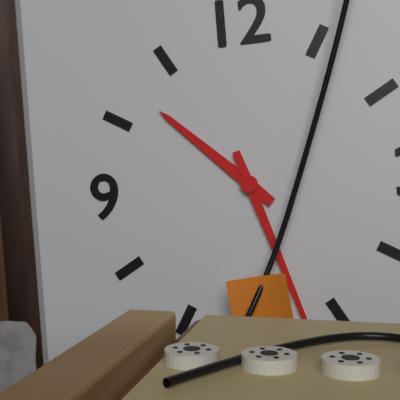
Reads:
h=10 m=27
